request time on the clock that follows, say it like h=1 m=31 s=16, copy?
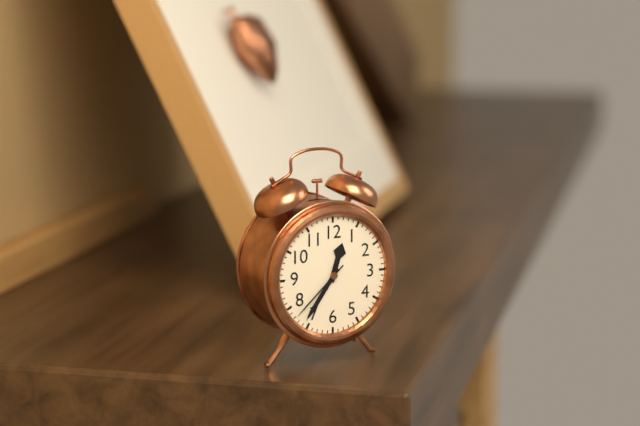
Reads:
h=12 m=36 s=38
